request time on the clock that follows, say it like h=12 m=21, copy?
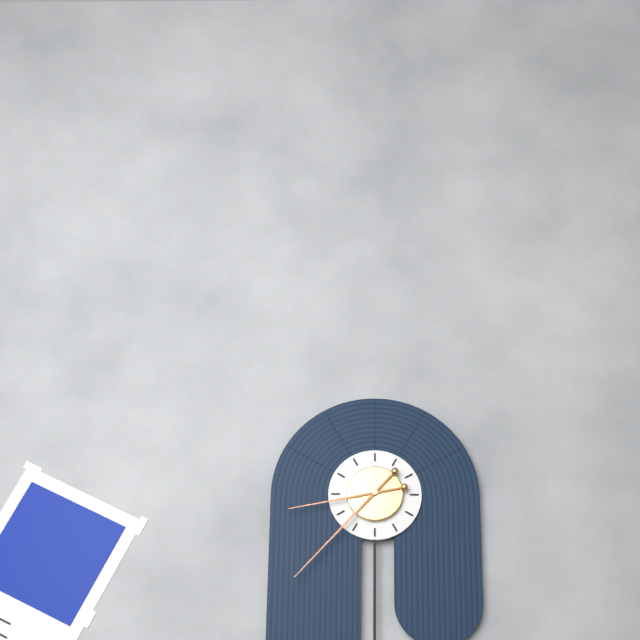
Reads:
h=8 m=37
